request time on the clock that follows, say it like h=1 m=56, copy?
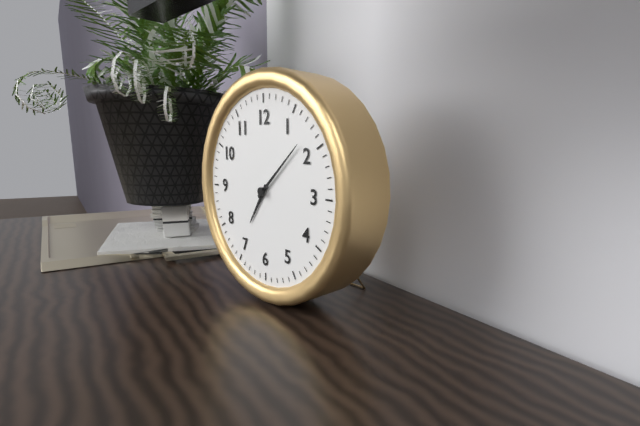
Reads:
h=7 m=8
